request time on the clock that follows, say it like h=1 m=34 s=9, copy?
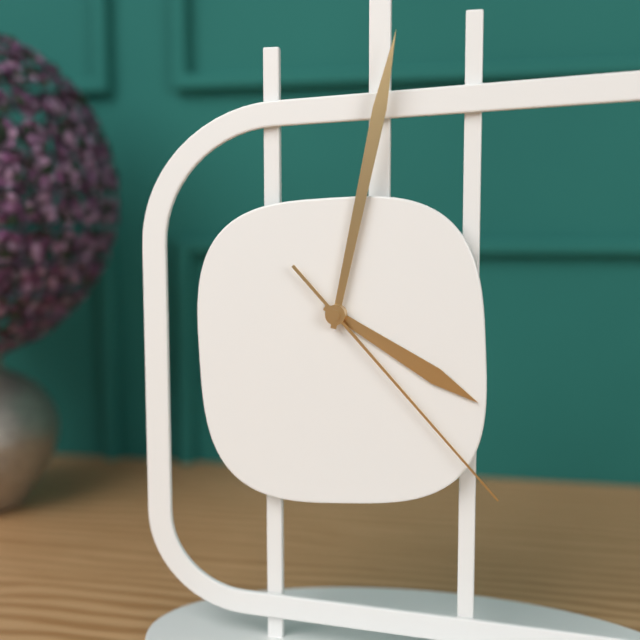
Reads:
h=4 m=2 s=23
